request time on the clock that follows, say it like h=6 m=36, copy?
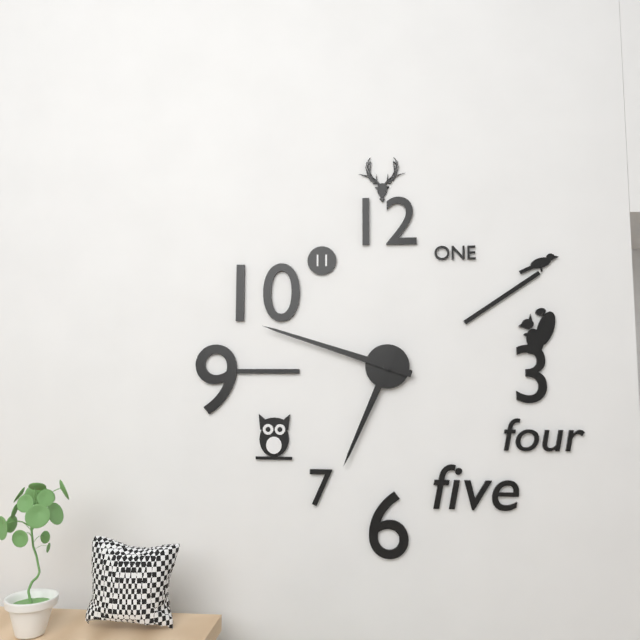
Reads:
h=6 m=48
